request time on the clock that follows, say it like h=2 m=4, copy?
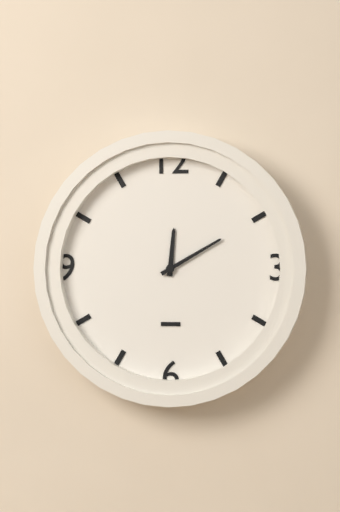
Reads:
h=12 m=10
